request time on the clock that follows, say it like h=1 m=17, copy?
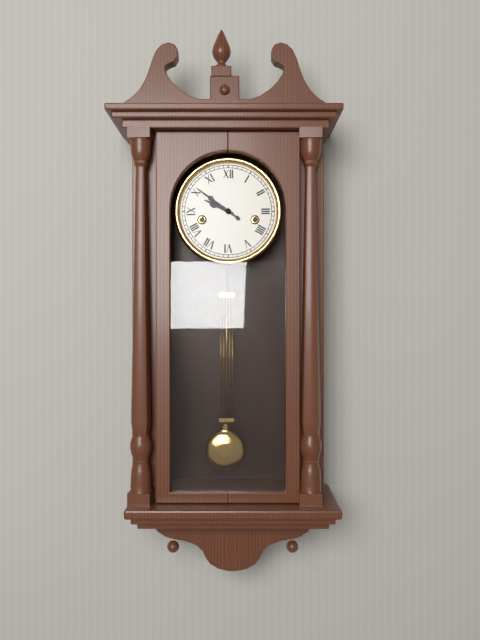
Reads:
h=9 m=51
